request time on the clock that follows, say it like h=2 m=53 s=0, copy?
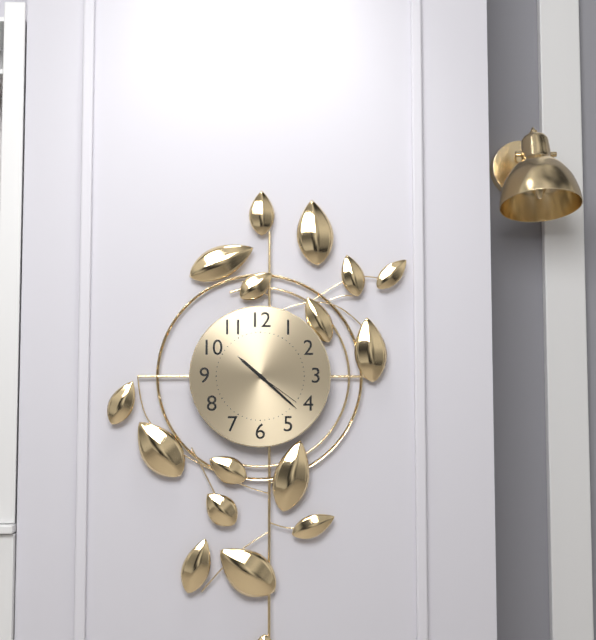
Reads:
h=10 m=22 s=21
